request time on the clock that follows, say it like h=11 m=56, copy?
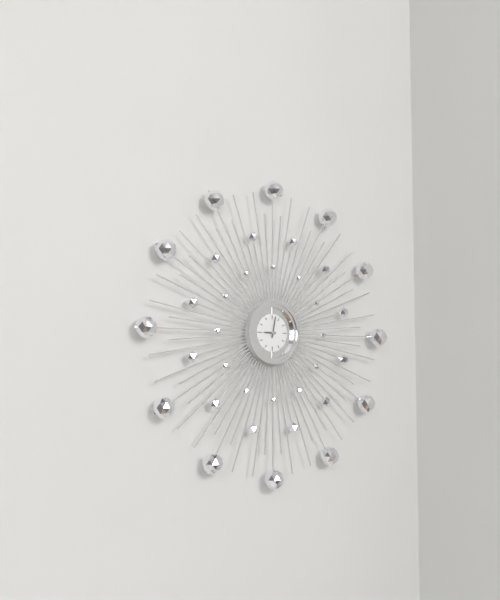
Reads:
h=9 m=2
